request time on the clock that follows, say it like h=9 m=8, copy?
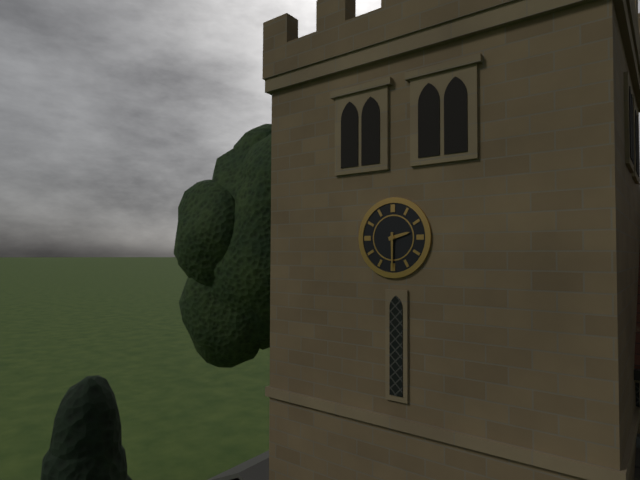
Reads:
h=2 m=30
